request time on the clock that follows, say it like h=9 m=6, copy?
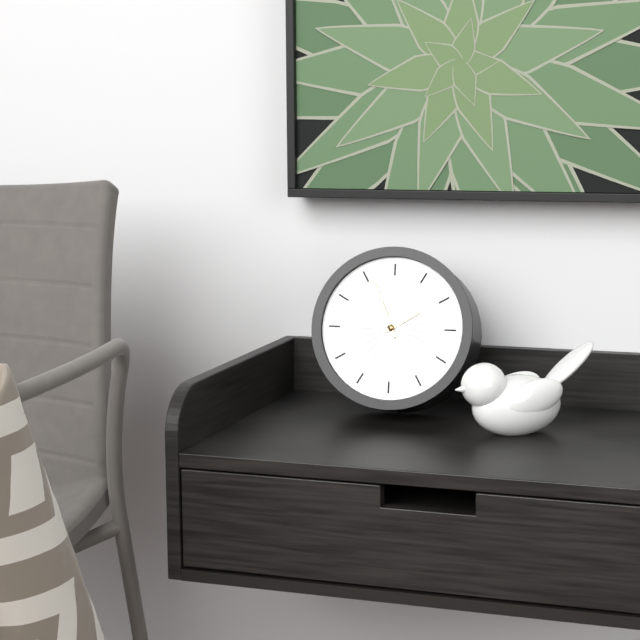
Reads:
h=1 m=56
